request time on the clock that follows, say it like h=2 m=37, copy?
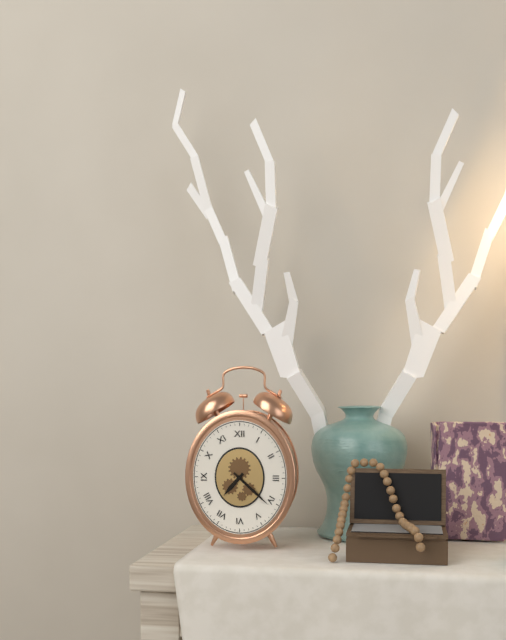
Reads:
h=7 m=22
